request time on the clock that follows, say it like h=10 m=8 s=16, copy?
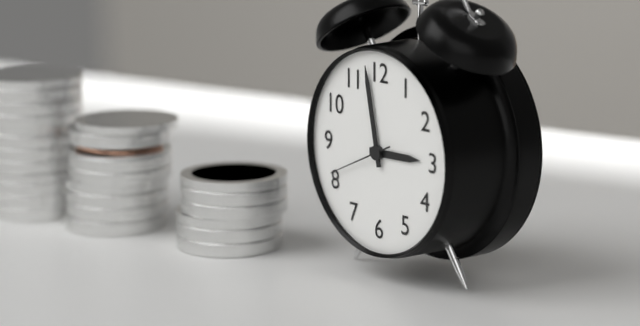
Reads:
h=2 m=58 s=41
